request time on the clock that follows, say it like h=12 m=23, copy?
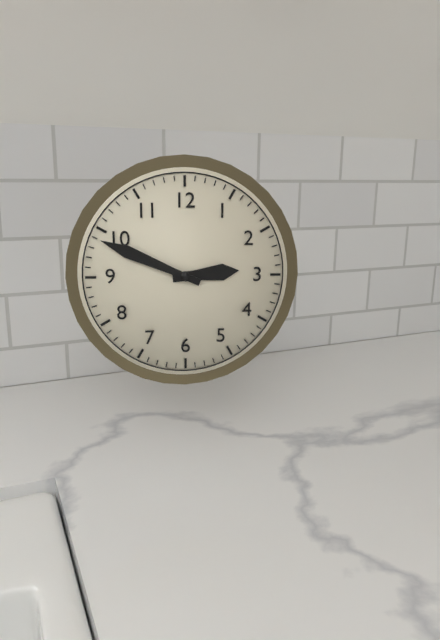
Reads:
h=2 m=49
